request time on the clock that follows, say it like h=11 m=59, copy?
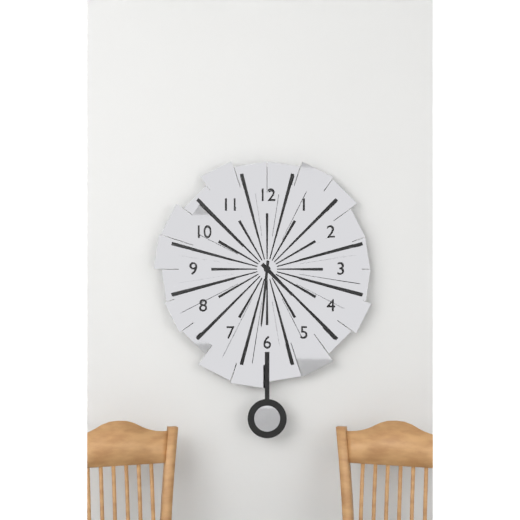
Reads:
h=4 m=31
